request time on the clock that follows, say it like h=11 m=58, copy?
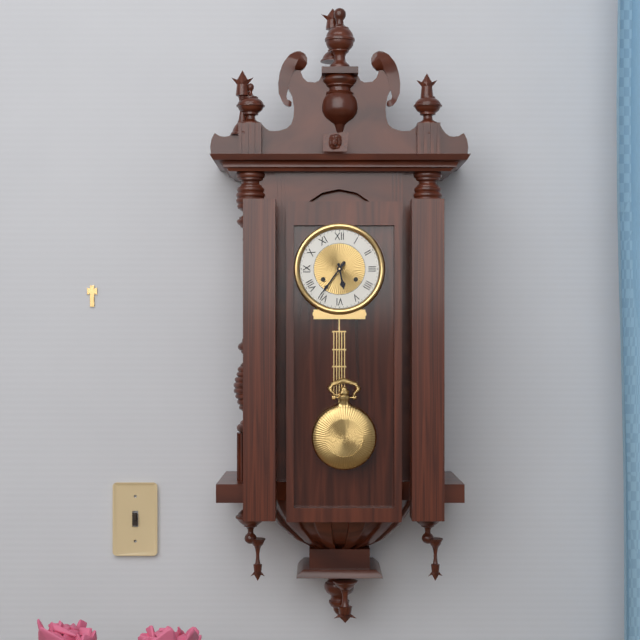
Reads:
h=5 m=36
